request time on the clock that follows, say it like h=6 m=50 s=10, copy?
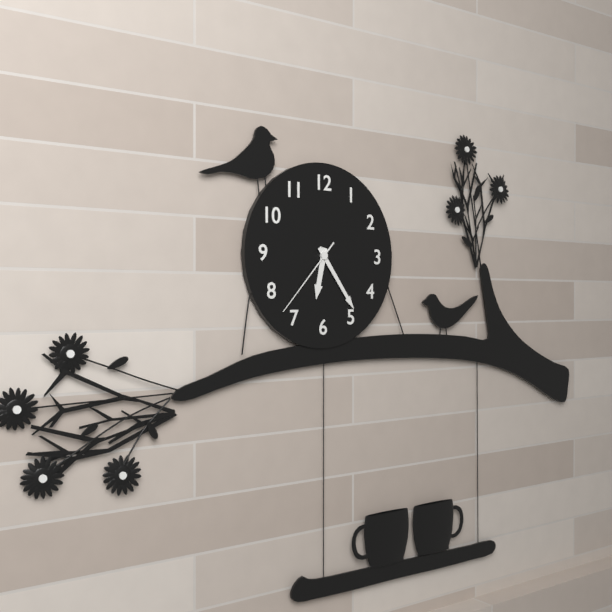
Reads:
h=6 m=24 s=37
